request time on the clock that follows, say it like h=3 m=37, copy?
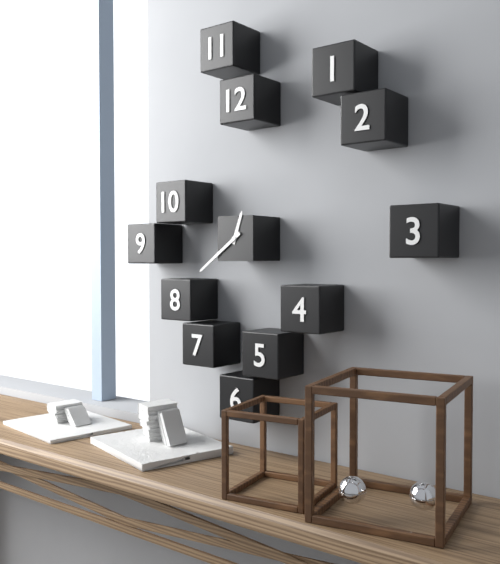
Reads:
h=12 m=39
